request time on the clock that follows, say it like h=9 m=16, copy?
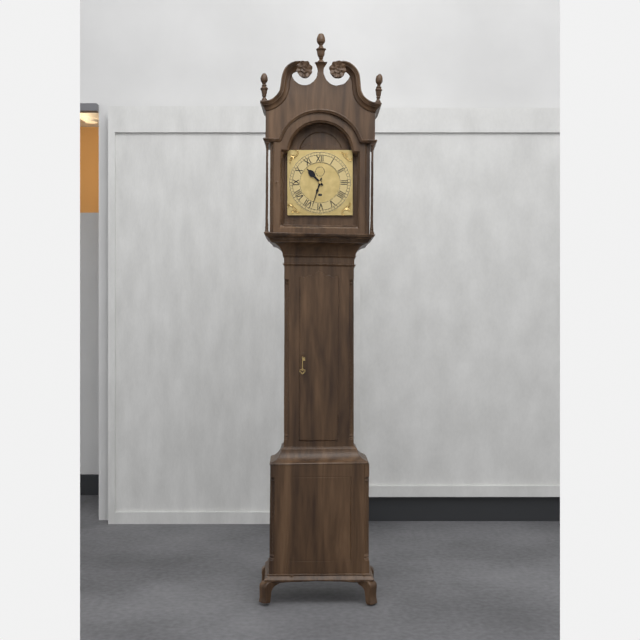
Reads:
h=10 m=33
